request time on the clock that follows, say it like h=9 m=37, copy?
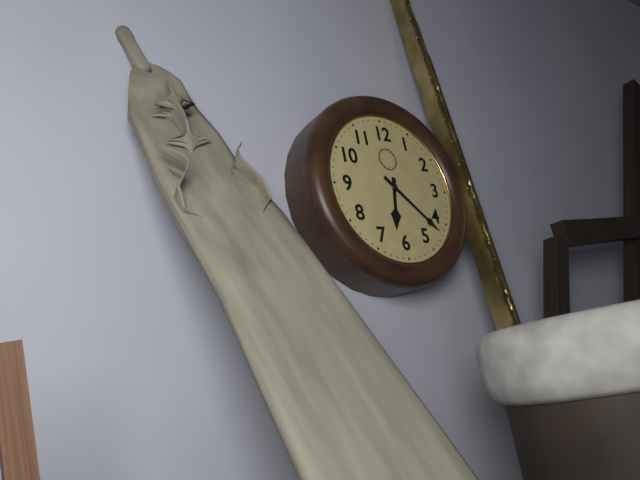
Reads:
h=6 m=22
